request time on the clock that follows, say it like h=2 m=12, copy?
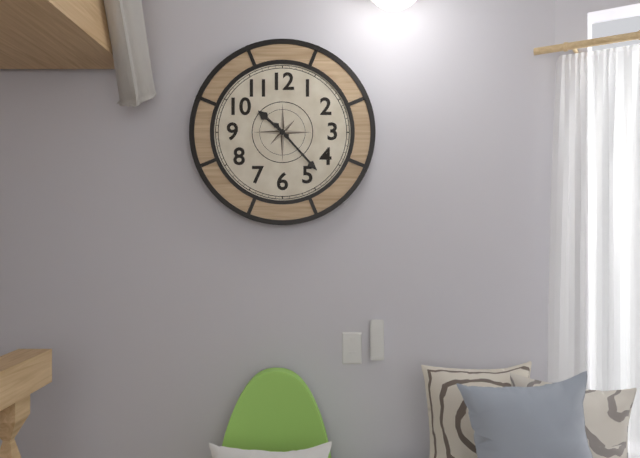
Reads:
h=10 m=23
